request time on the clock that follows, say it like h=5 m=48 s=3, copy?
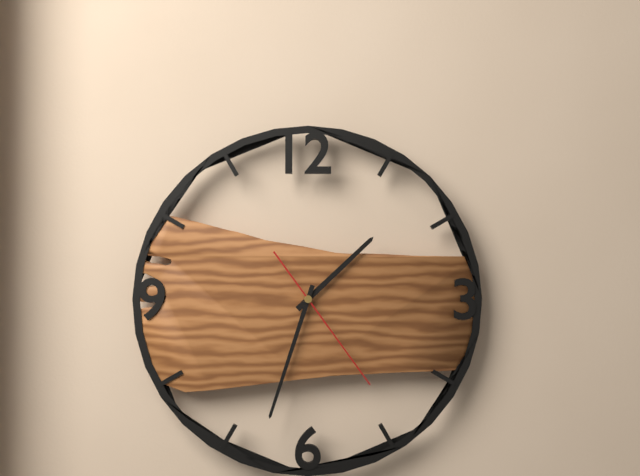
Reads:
h=1 m=33 s=24
